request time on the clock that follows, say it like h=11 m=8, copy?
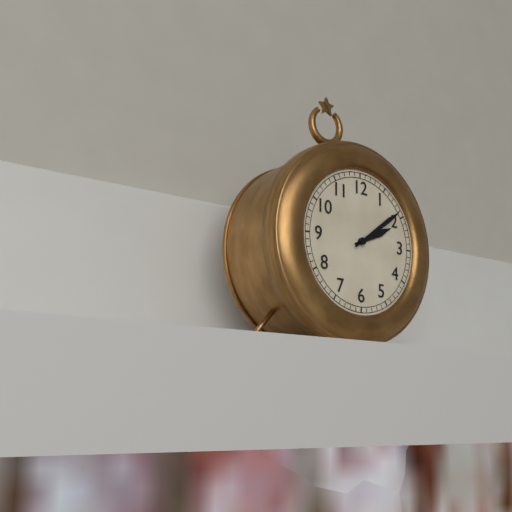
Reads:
h=2 m=9
